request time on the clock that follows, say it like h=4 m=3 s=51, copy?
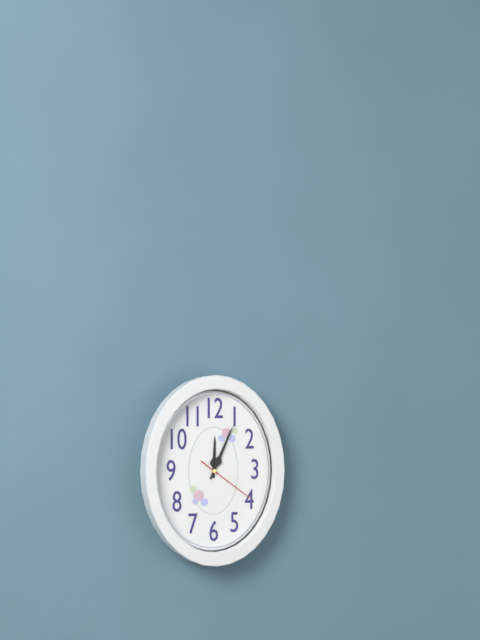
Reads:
h=12 m=4 s=21
